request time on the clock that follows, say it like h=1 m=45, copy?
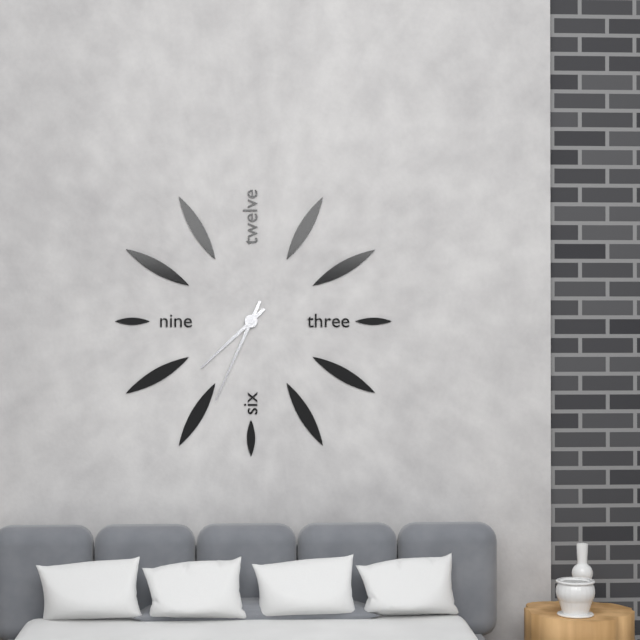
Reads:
h=7 m=34
